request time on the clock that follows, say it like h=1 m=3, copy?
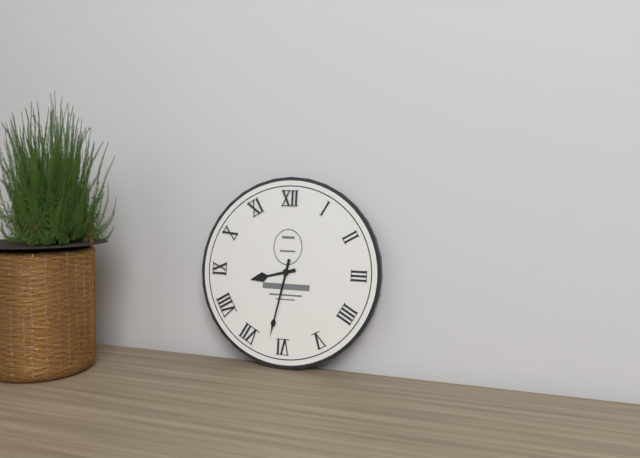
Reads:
h=8 m=32
